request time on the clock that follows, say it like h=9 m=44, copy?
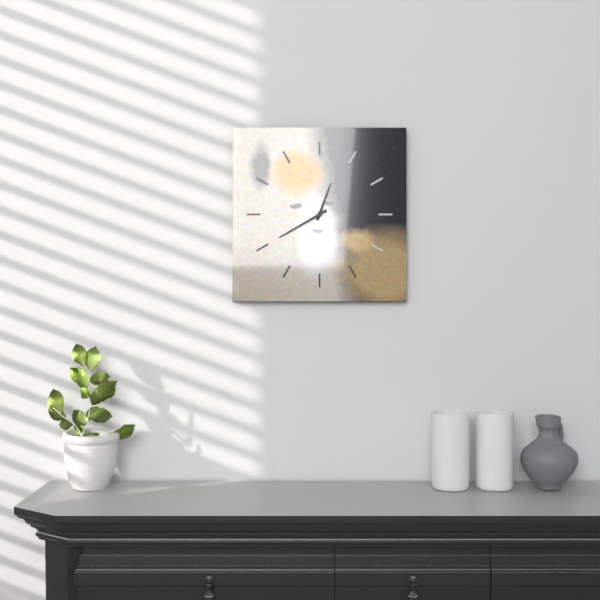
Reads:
h=12 m=40
